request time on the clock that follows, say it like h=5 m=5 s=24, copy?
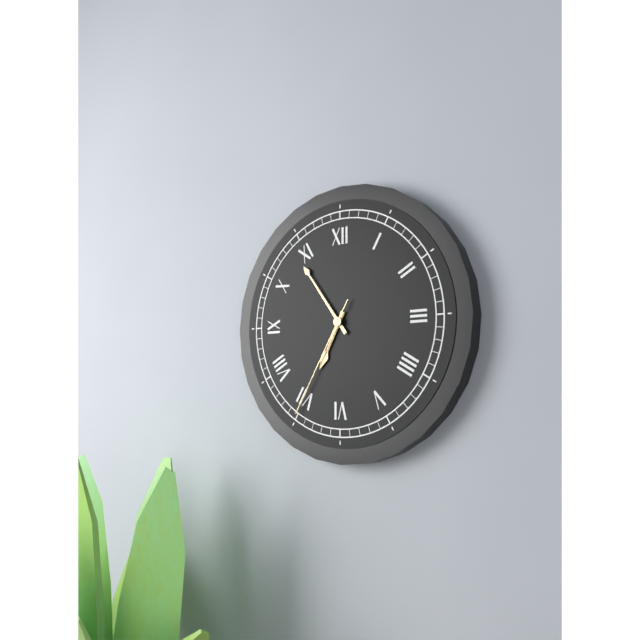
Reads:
h=6 m=54 s=35
